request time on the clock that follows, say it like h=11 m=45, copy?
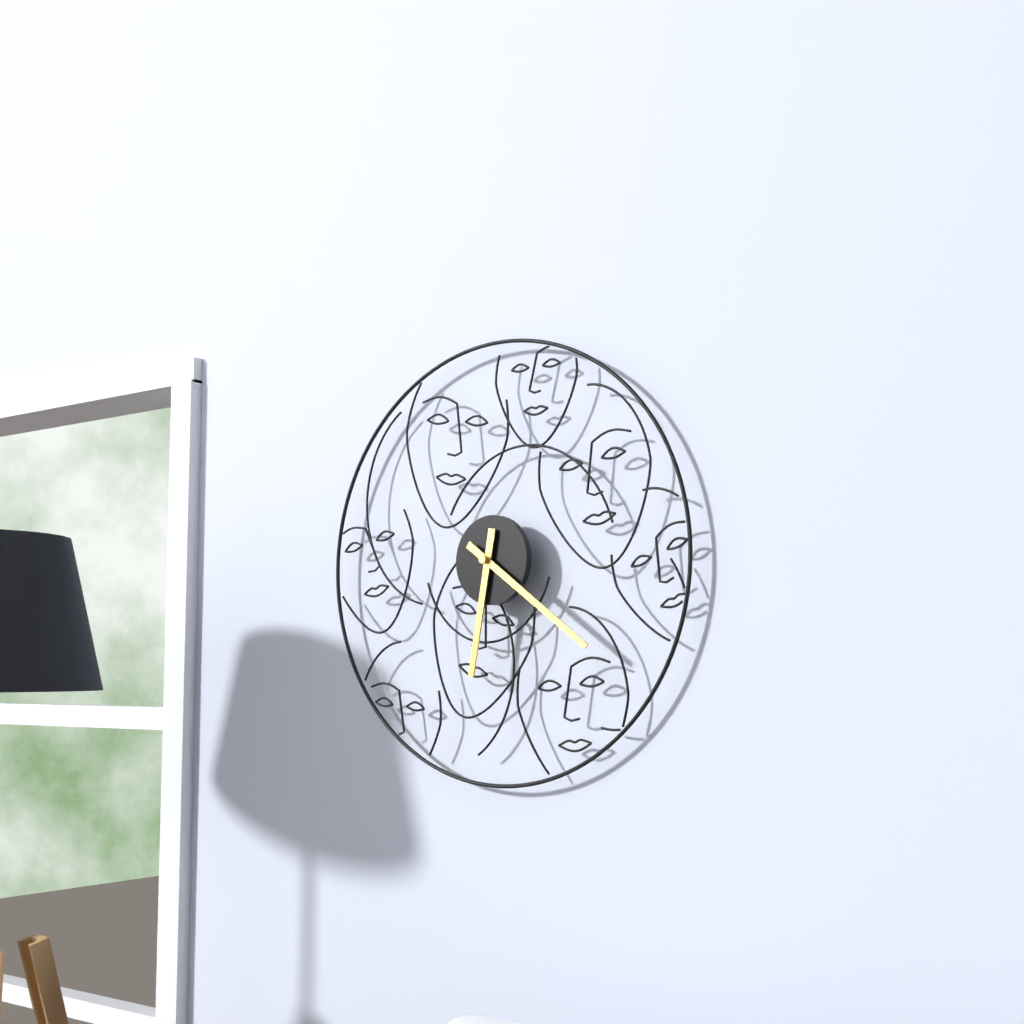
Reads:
h=6 m=21
